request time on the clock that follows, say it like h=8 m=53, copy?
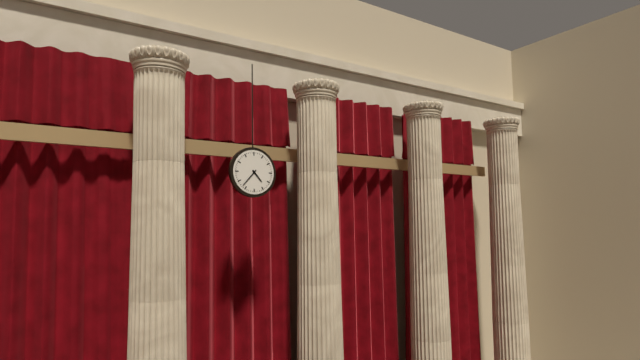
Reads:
h=4 m=37
